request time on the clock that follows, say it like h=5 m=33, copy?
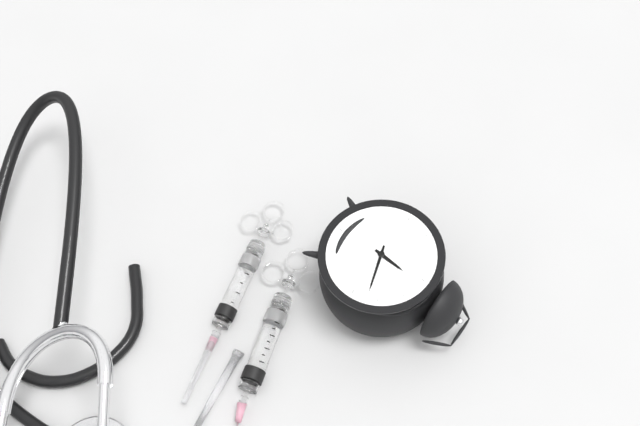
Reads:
h=12 m=12
